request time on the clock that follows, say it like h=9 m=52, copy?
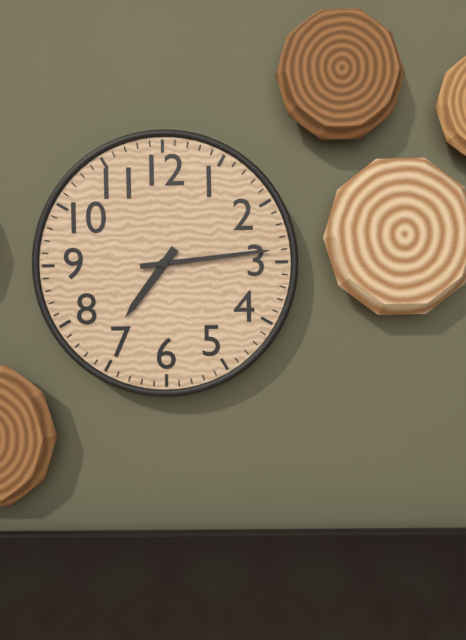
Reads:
h=7 m=14
